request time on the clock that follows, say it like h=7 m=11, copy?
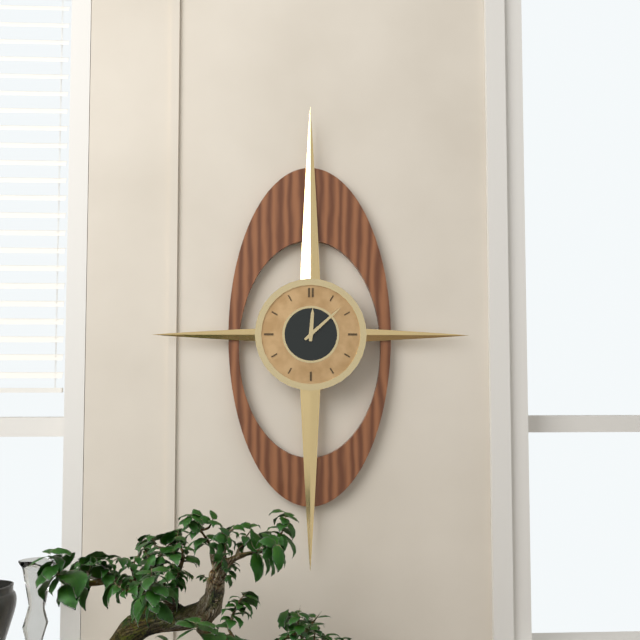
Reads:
h=12 m=8
